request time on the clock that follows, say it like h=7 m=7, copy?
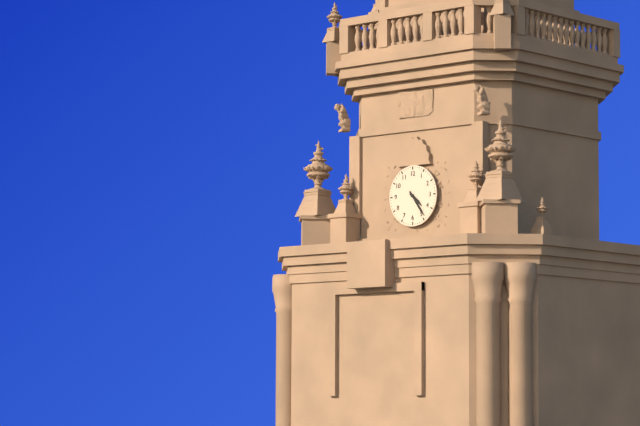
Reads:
h=4 m=24
